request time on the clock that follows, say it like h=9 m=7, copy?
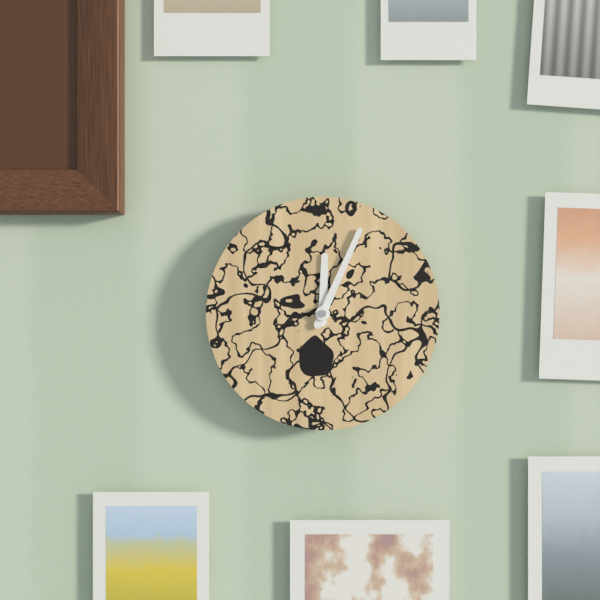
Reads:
h=12 m=4
